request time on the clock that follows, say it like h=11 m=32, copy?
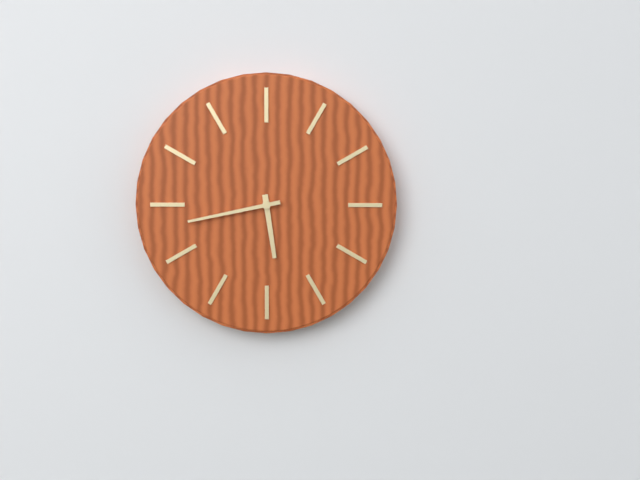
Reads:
h=5 m=43
